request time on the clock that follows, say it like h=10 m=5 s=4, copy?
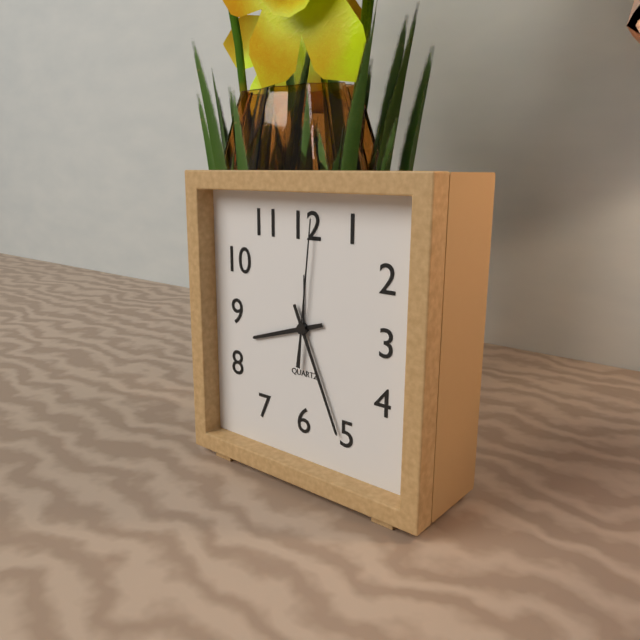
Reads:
h=8 m=26 s=1
